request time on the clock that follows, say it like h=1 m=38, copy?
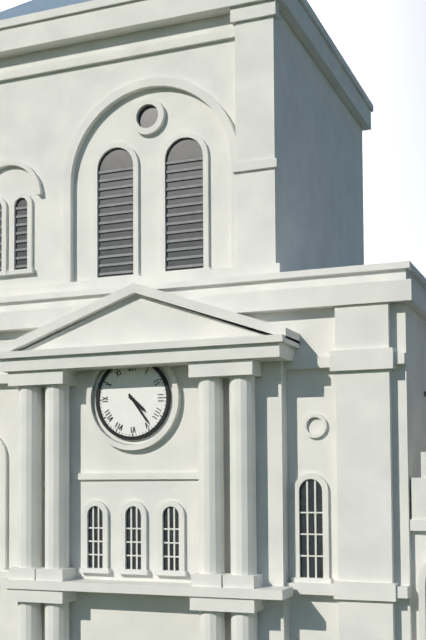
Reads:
h=4 m=24
